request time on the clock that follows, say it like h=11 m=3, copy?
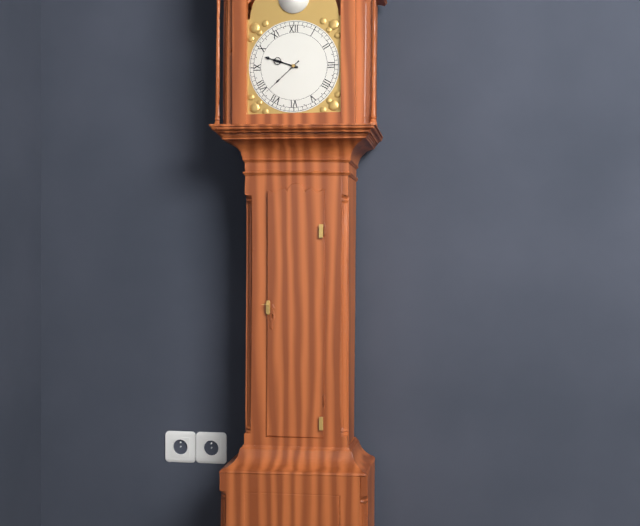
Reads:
h=9 m=38
